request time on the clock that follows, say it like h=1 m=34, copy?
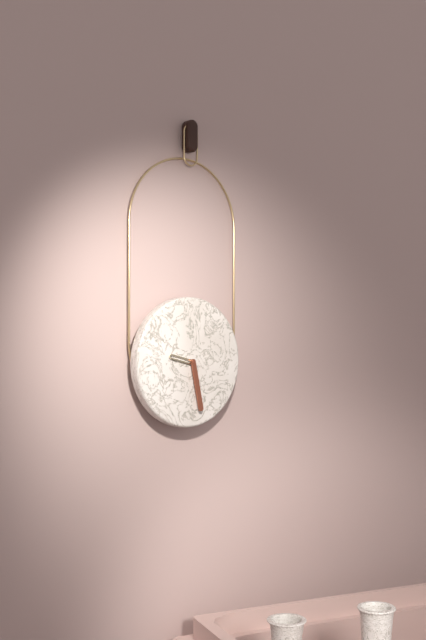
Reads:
h=9 m=28
